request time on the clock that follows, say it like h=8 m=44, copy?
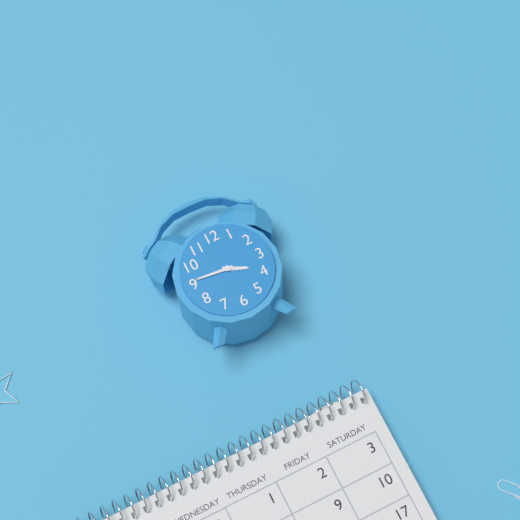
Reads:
h=3 m=46
